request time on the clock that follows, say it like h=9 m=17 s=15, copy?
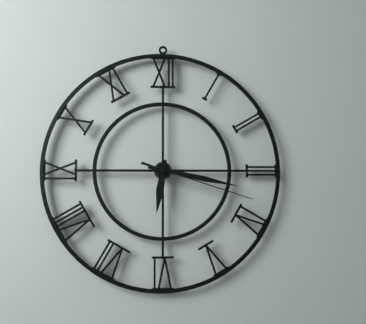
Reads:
h=6 m=17 s=18
